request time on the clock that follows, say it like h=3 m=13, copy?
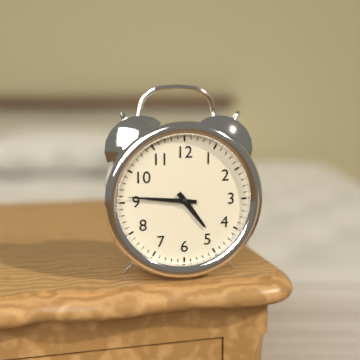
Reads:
h=4 m=46
